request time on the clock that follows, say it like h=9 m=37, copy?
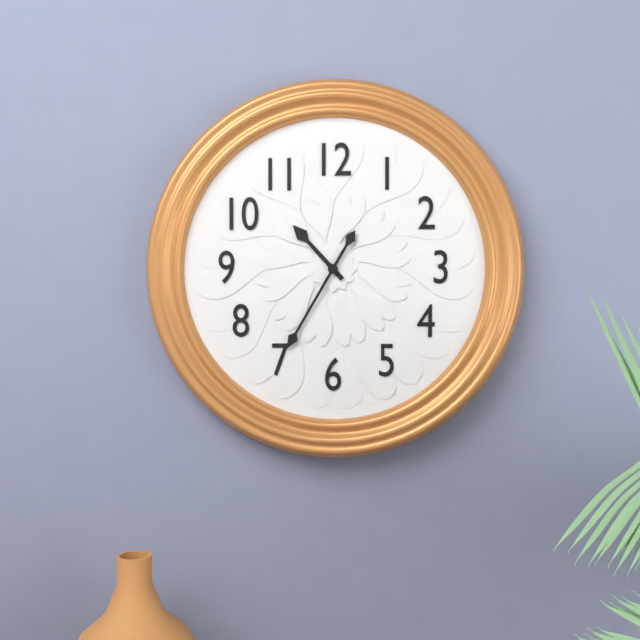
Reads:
h=10 m=35
